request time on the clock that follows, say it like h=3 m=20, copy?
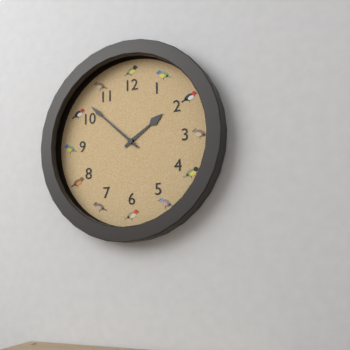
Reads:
h=1 m=52
